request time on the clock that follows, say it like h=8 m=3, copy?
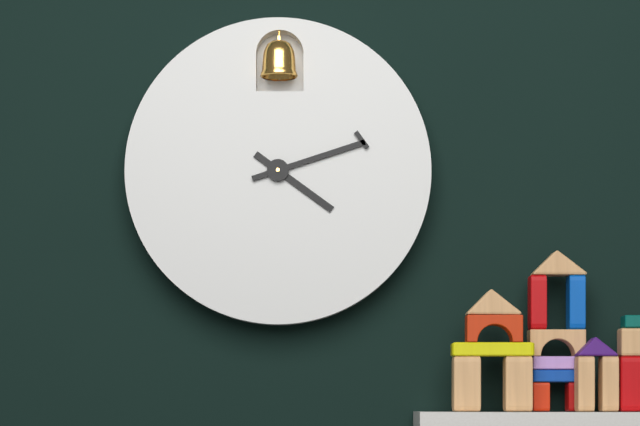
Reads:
h=4 m=12
